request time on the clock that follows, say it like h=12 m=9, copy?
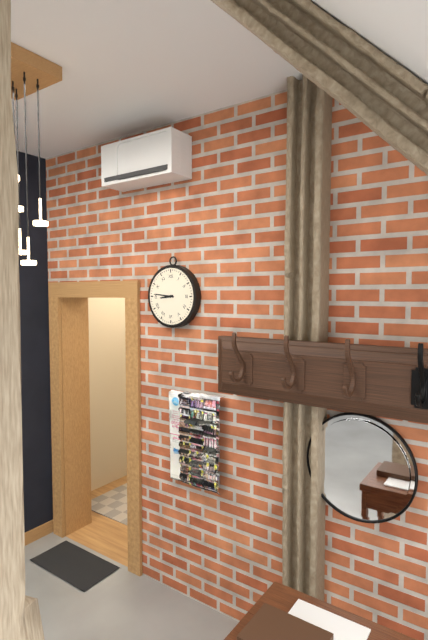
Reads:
h=8 m=46
